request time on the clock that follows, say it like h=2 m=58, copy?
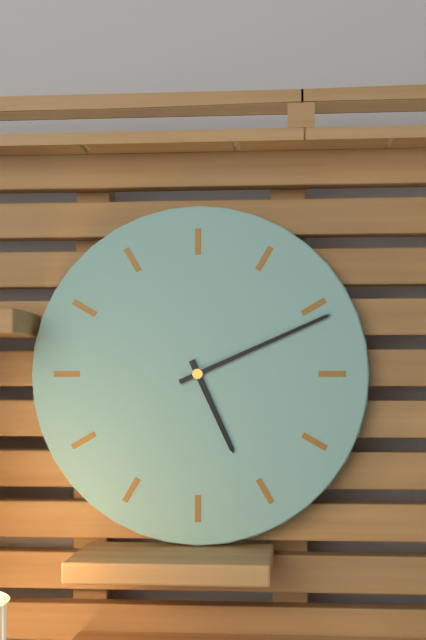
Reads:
h=5 m=11
